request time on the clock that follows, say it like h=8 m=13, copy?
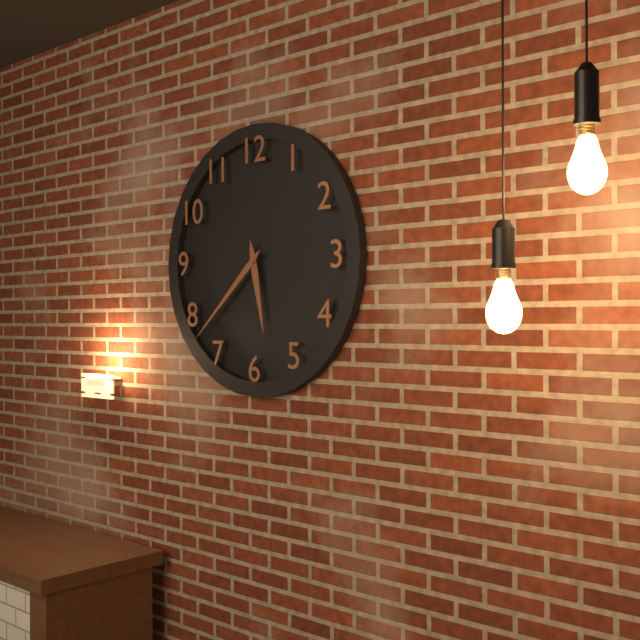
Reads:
h=5 m=38
